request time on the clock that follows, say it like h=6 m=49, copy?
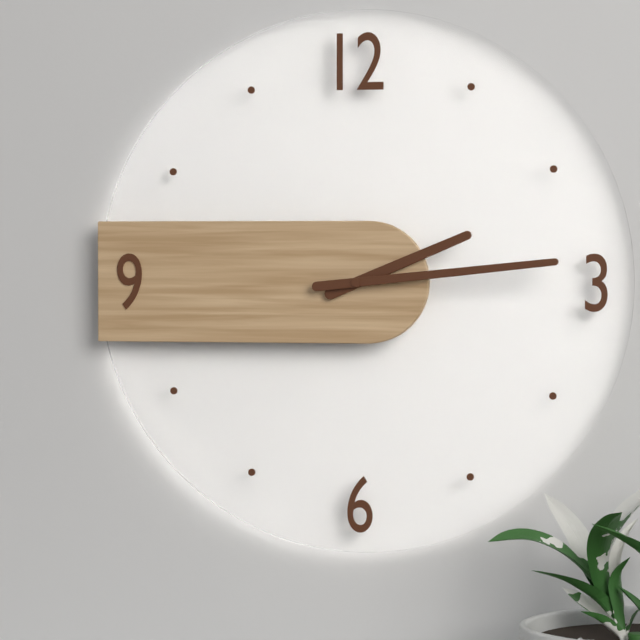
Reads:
h=2 m=14
